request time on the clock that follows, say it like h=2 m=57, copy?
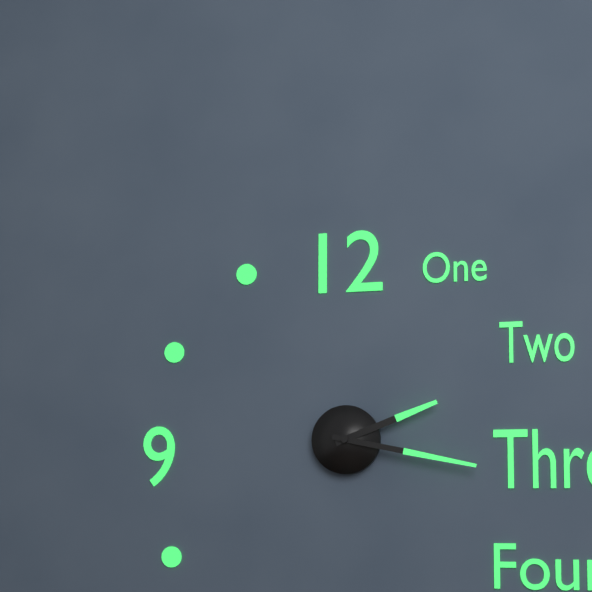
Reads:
h=2 m=17
